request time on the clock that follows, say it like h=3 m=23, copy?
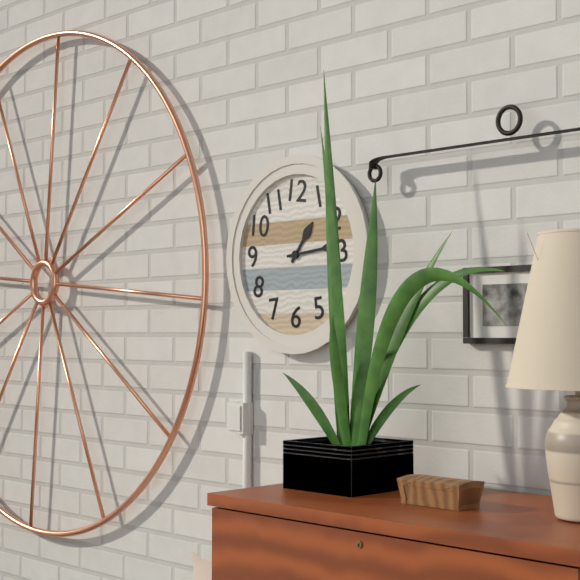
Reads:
h=1 m=14
